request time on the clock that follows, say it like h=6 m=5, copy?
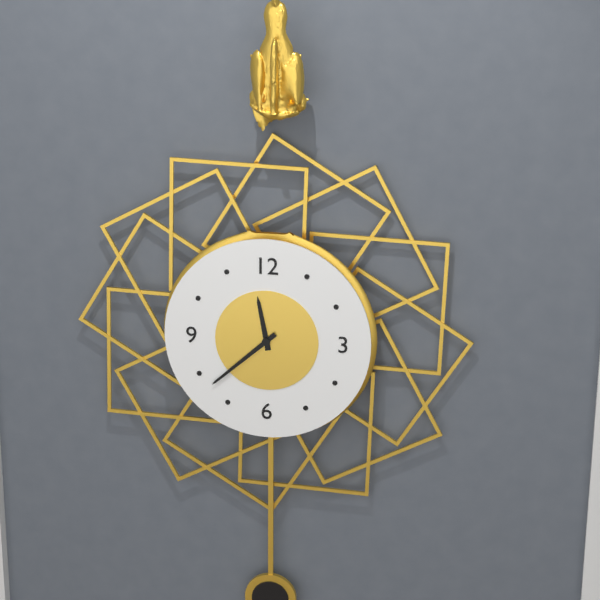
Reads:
h=11 m=38
